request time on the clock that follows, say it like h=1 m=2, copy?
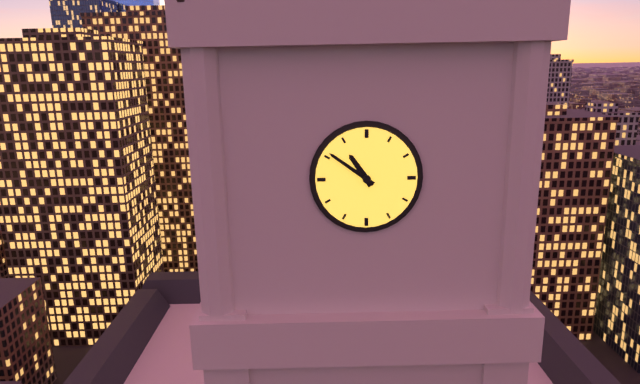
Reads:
h=10 m=51
